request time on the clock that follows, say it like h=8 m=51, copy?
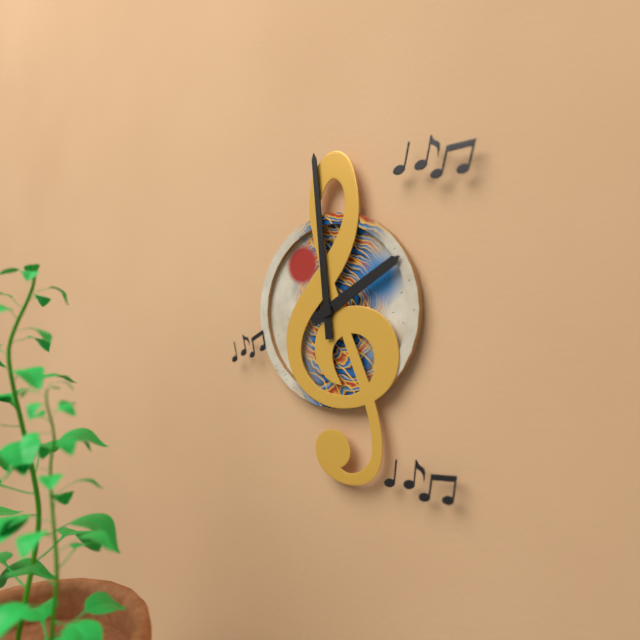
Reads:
h=1 m=59
